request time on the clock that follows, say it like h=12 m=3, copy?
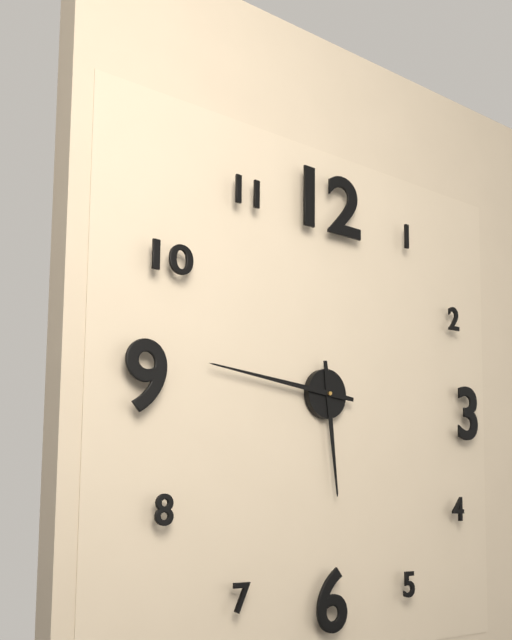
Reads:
h=5 m=46
